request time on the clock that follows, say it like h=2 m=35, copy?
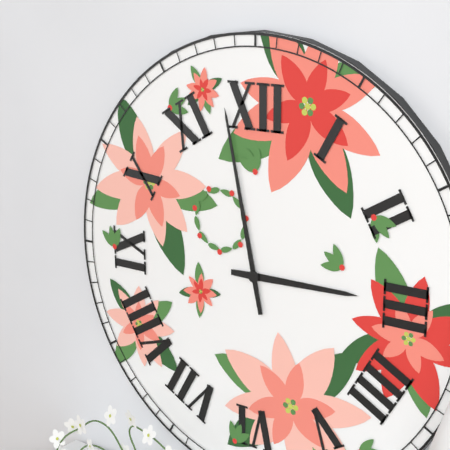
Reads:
h=2 m=58
